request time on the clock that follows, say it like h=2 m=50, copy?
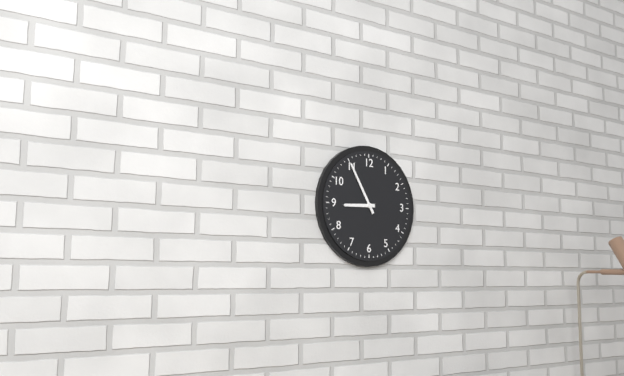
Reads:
h=8 m=55
